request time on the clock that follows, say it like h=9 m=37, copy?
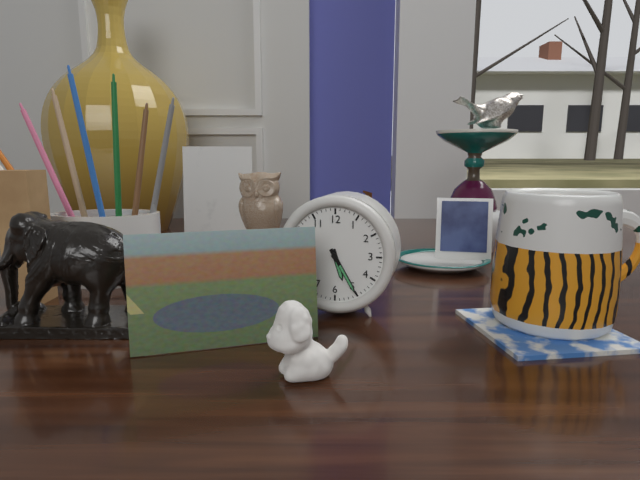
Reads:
h=5 m=25
